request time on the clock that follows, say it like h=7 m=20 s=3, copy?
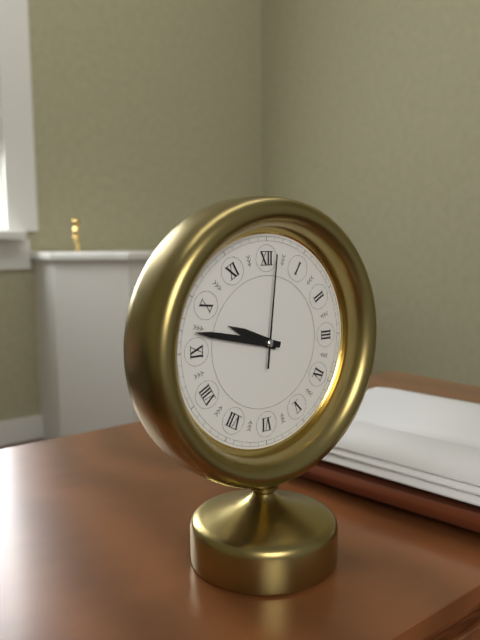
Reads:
h=9 m=47 s=1
